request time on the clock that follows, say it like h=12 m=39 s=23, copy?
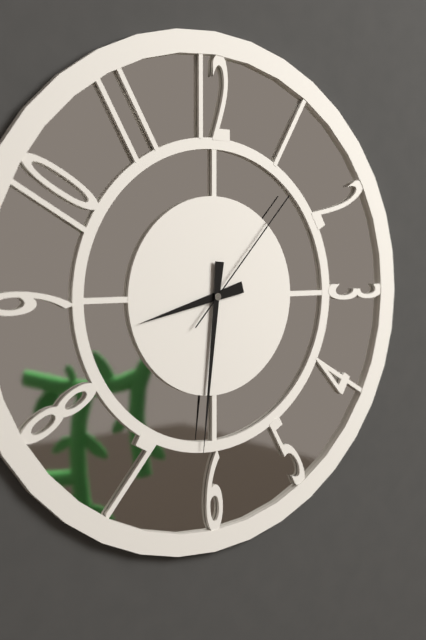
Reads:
h=8 m=31 s=7
